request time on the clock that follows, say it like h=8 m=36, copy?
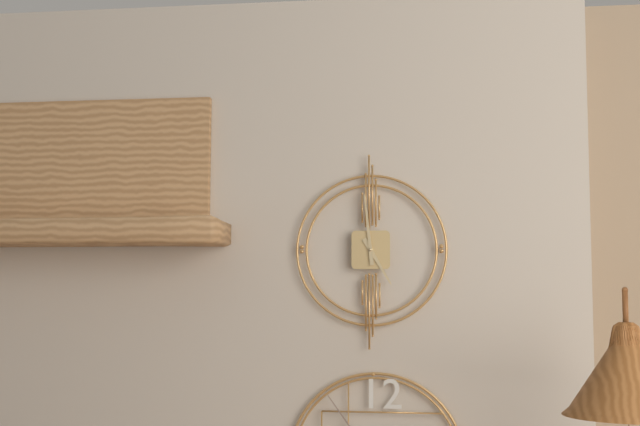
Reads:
h=4 m=59
